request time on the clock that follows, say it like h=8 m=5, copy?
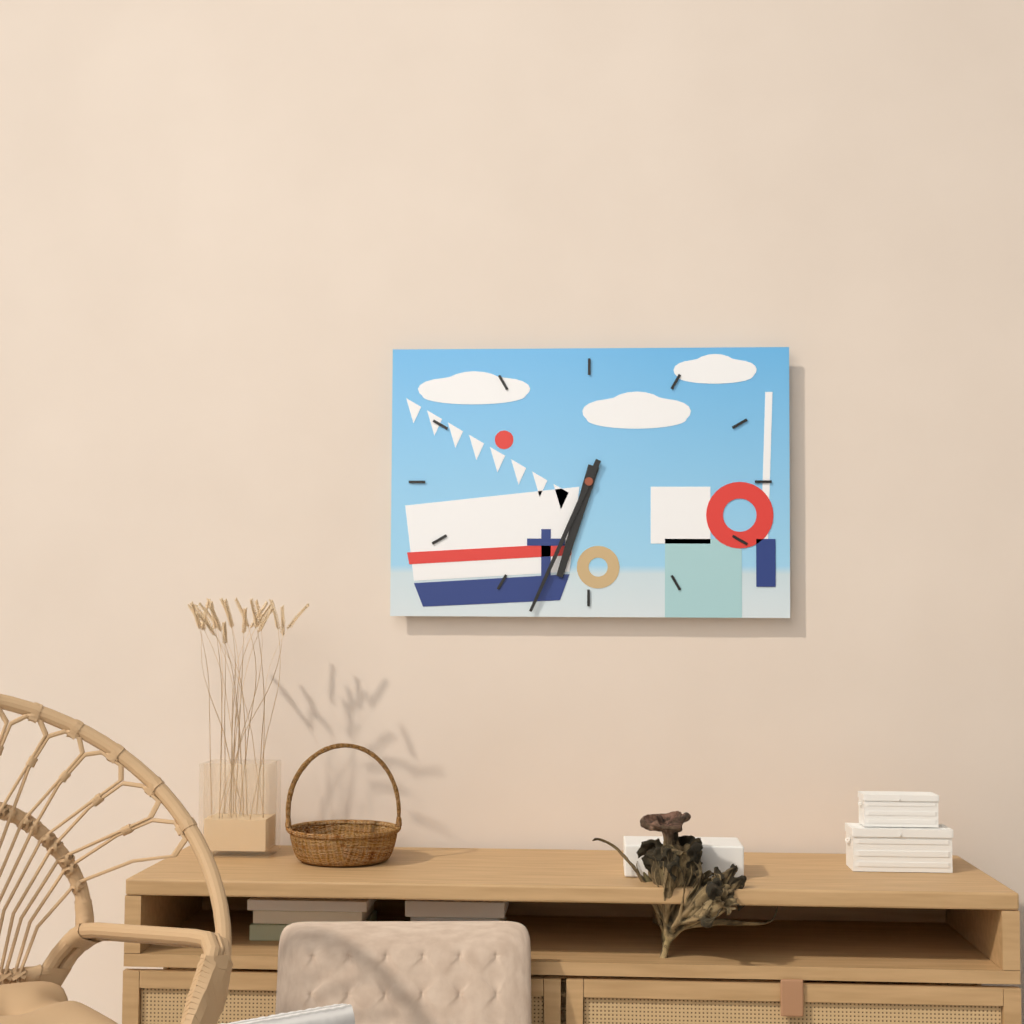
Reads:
h=6 m=34
